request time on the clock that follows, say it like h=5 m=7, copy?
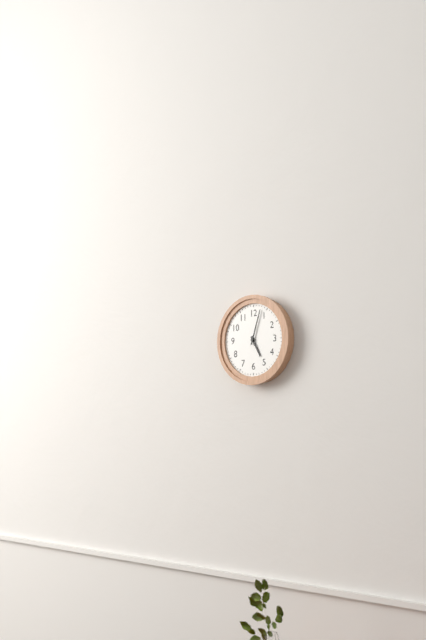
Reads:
h=5 m=3
